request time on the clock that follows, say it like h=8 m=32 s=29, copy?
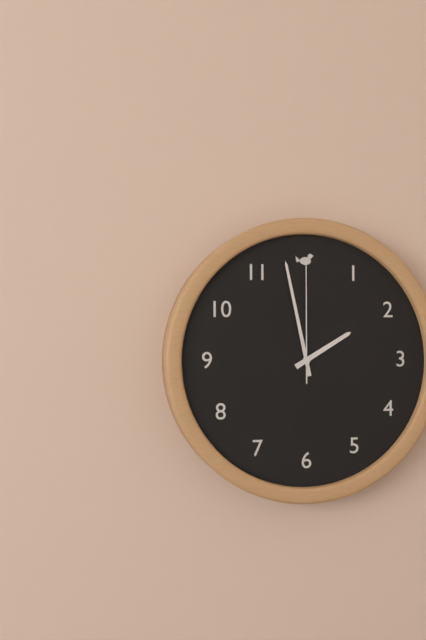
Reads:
h=1 m=58 s=0
